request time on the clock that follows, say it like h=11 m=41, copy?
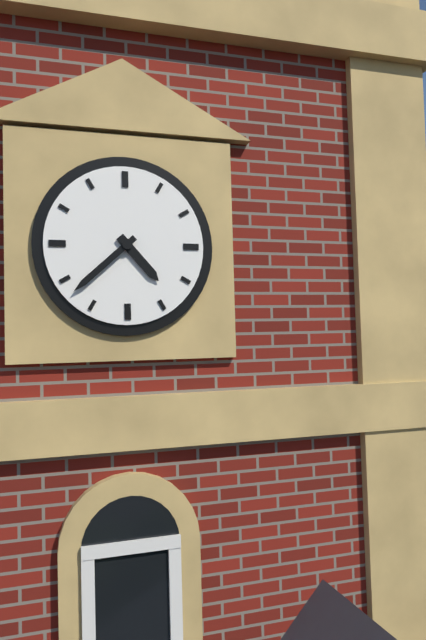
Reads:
h=4 m=38
